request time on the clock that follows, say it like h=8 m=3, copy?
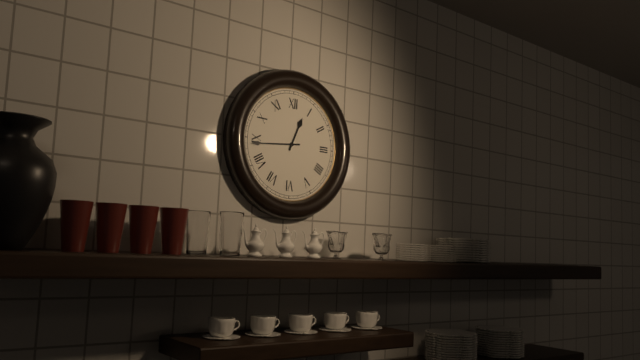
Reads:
h=12 m=44
